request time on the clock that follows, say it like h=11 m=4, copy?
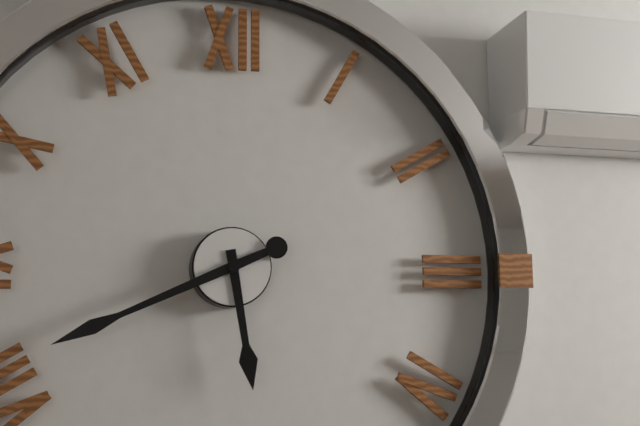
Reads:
h=5 m=41
